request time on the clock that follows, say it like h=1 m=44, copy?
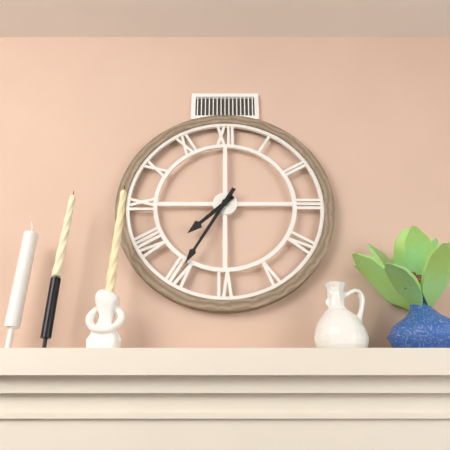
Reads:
h=7 m=35
